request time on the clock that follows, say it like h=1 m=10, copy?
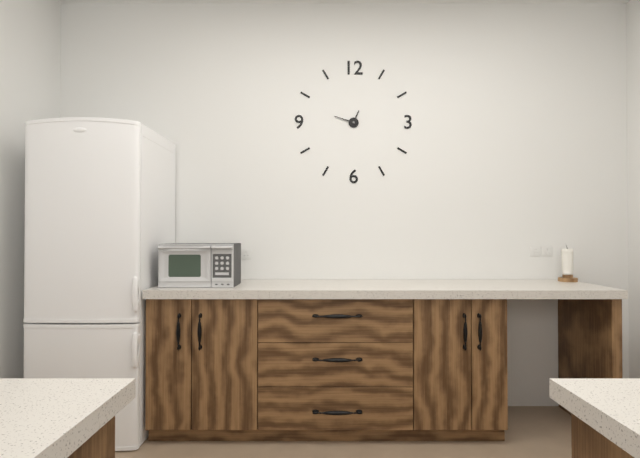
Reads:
h=12 m=48
